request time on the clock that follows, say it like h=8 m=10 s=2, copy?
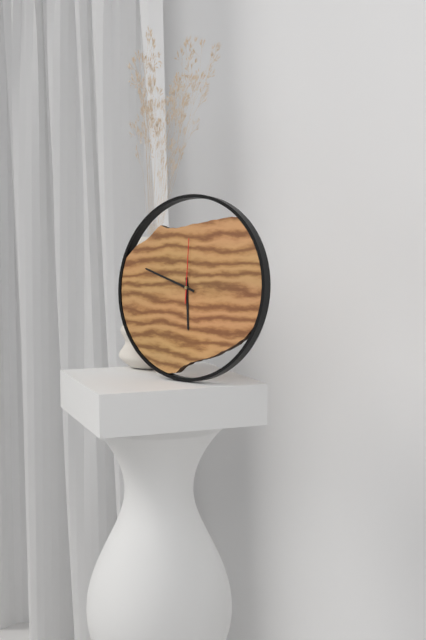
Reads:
h=5 m=48 s=0
